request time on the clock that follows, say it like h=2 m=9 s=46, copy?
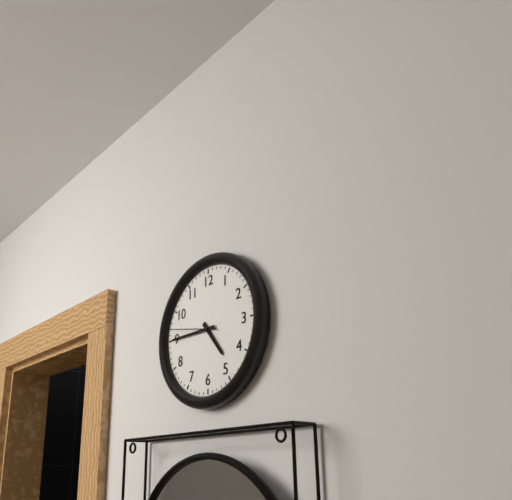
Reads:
h=4 m=45 s=47
